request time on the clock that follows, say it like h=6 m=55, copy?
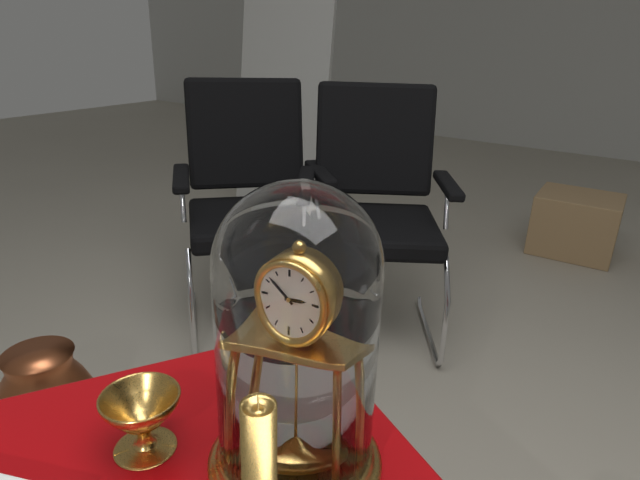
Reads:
h=2 m=52
